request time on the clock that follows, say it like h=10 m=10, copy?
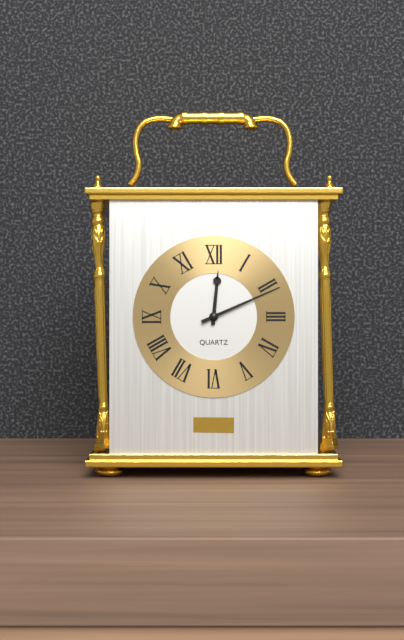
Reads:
h=12 m=11
